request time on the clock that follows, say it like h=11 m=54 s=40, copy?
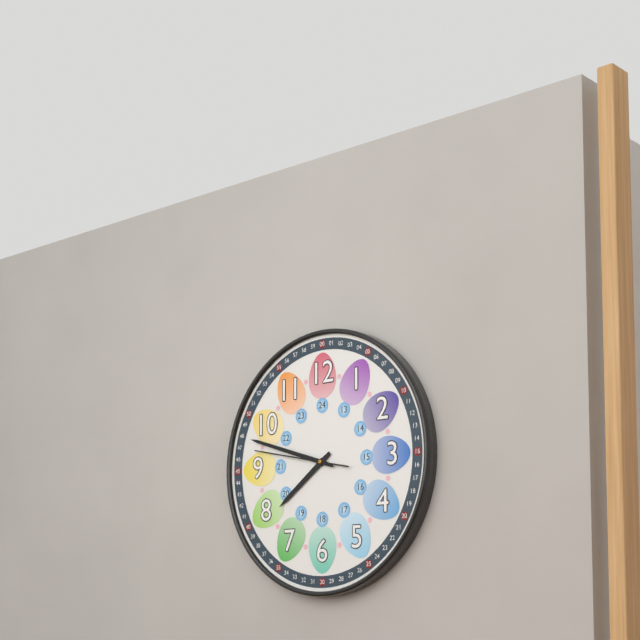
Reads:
h=7 m=48 s=47
